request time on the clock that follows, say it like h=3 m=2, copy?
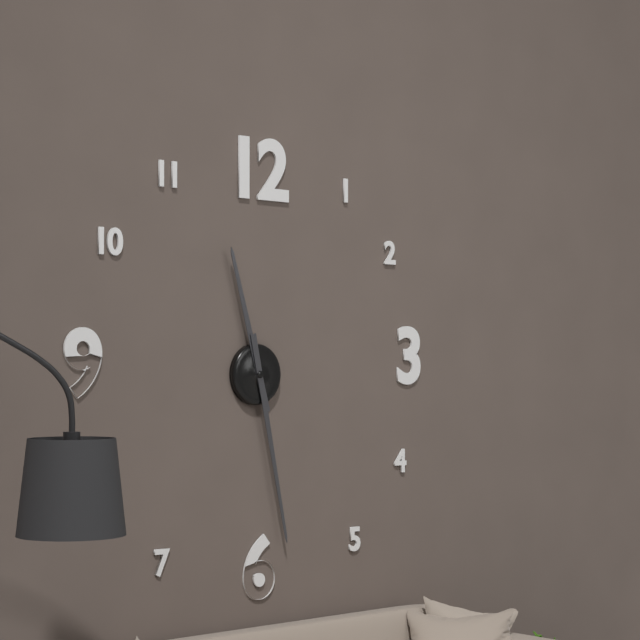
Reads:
h=11 m=28
